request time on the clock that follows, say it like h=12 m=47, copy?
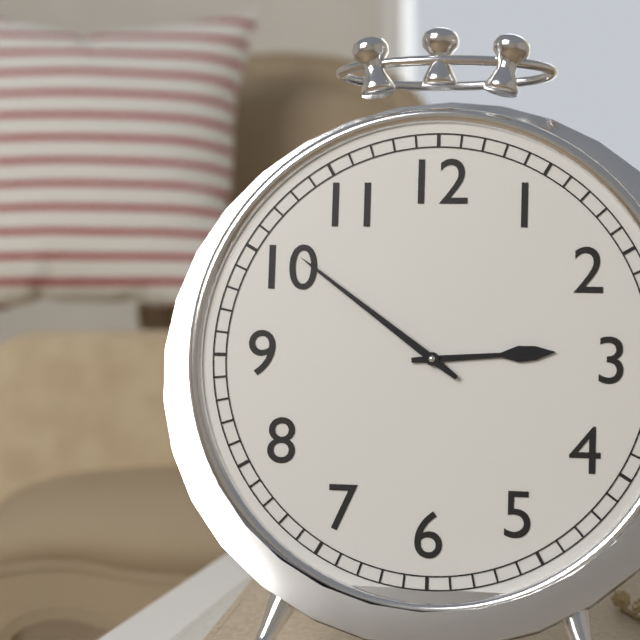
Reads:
h=2 m=51
